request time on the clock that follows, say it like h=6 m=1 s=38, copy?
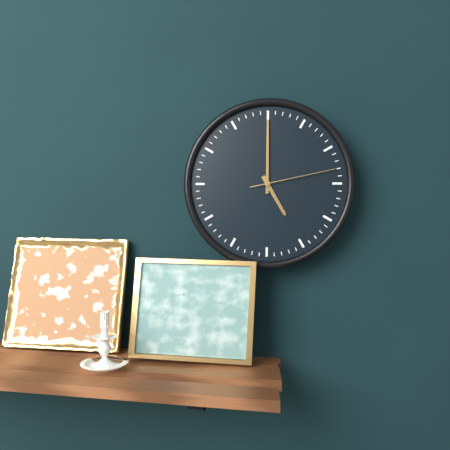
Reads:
h=5 m=0 s=13
